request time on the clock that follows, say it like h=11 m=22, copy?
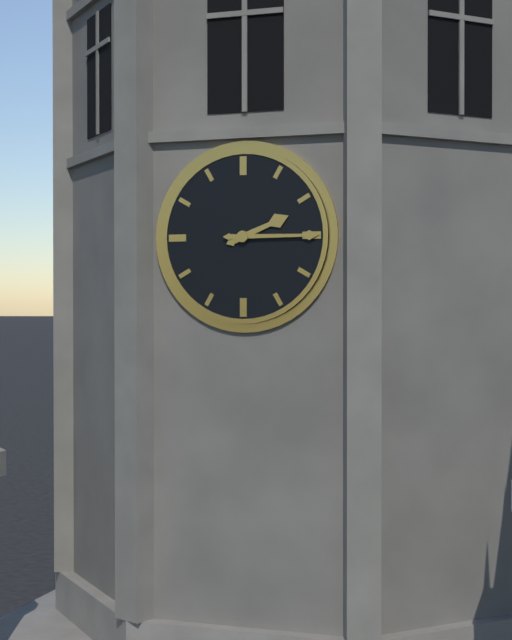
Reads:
h=2 m=15
